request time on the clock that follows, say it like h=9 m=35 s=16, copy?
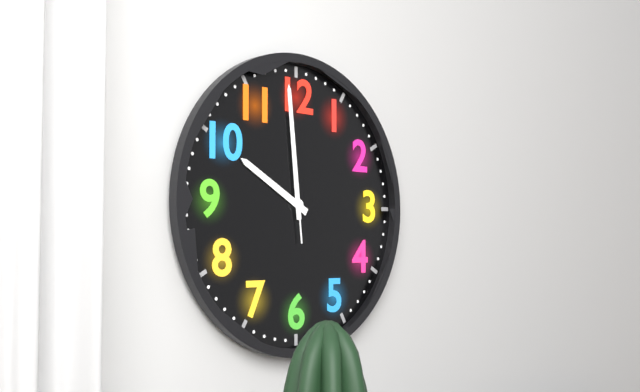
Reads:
h=9 m=59 s=59
